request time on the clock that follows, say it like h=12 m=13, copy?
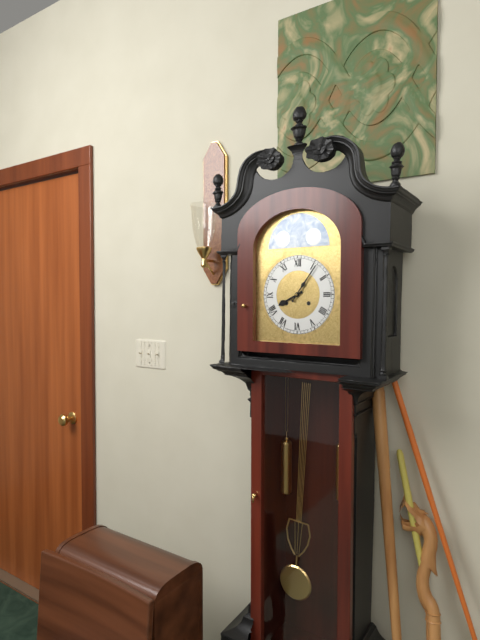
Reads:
h=8 m=6
